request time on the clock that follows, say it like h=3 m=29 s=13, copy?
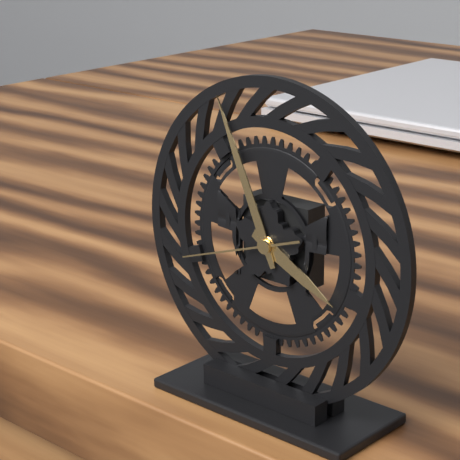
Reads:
h=3 m=56 s=42
